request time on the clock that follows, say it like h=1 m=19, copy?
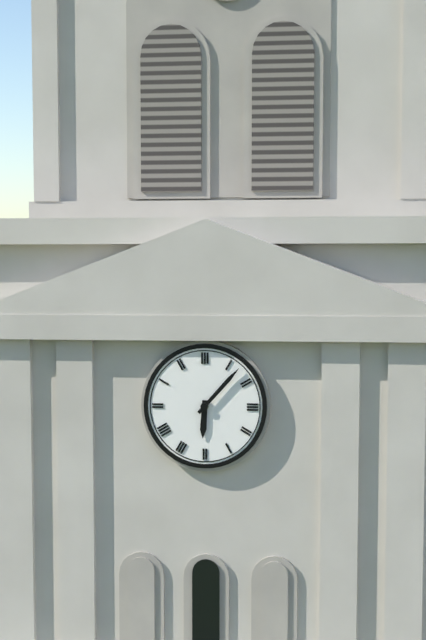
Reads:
h=6 m=7
